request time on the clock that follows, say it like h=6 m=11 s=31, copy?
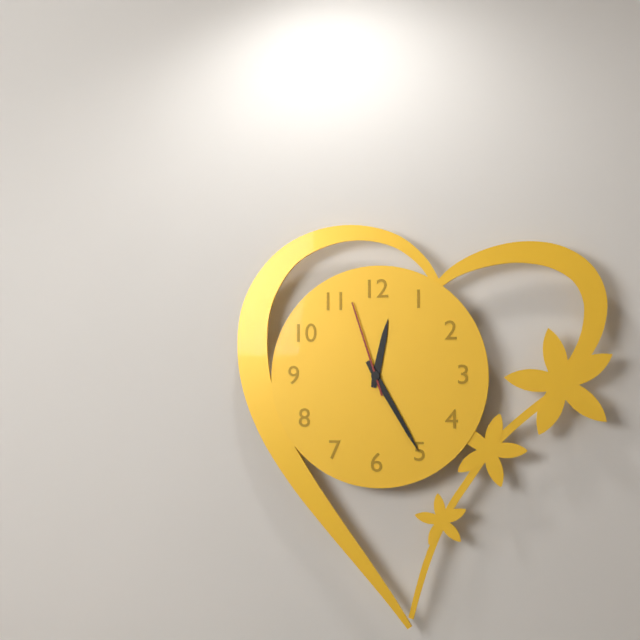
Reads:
h=12 m=25 s=57
